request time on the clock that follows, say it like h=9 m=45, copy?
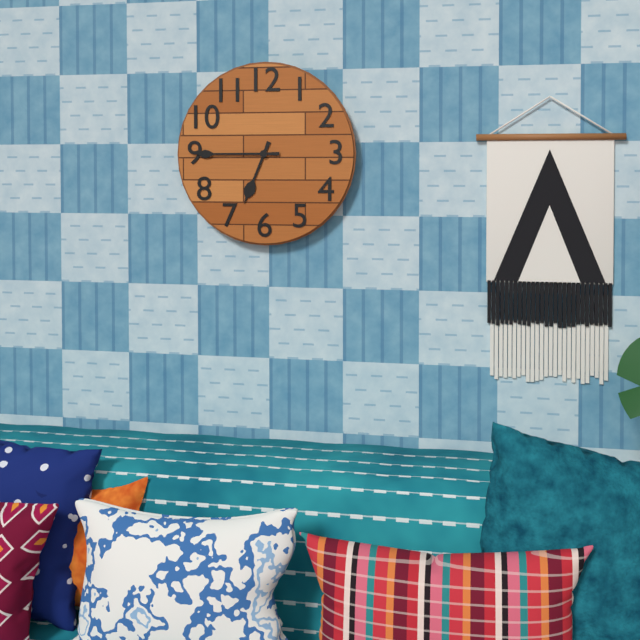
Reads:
h=6 m=45
